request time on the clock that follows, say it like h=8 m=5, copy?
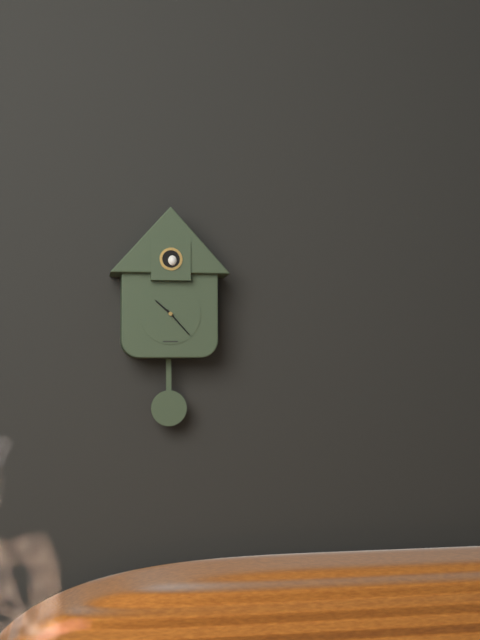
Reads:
h=10 m=23
